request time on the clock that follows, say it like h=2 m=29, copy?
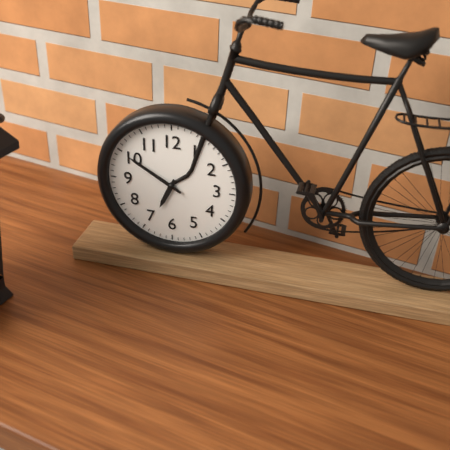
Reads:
h=6 m=50
